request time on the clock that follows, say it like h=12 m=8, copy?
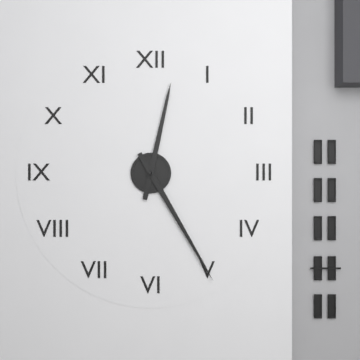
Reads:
h=12 m=25
